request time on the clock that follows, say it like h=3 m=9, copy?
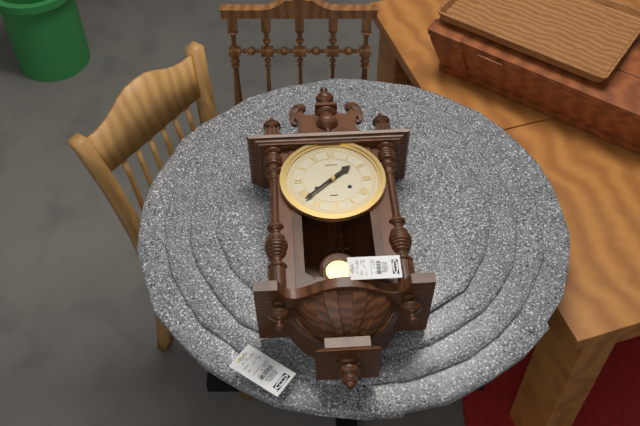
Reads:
h=1 m=38
